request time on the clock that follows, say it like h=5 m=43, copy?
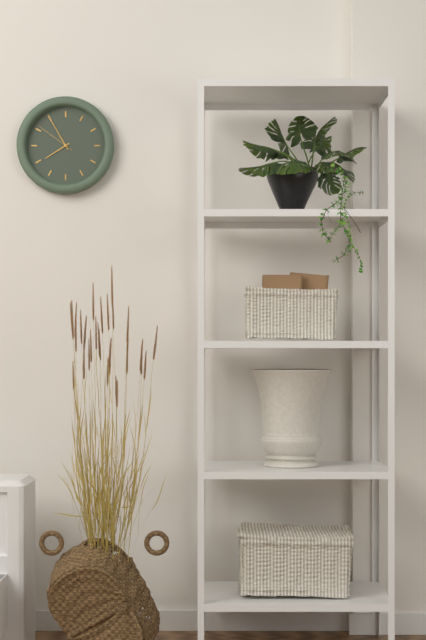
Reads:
h=7 m=55
